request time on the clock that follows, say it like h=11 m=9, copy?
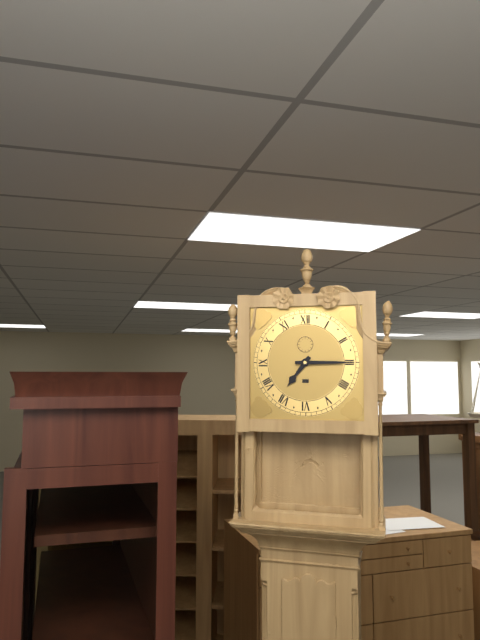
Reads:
h=7 m=15
